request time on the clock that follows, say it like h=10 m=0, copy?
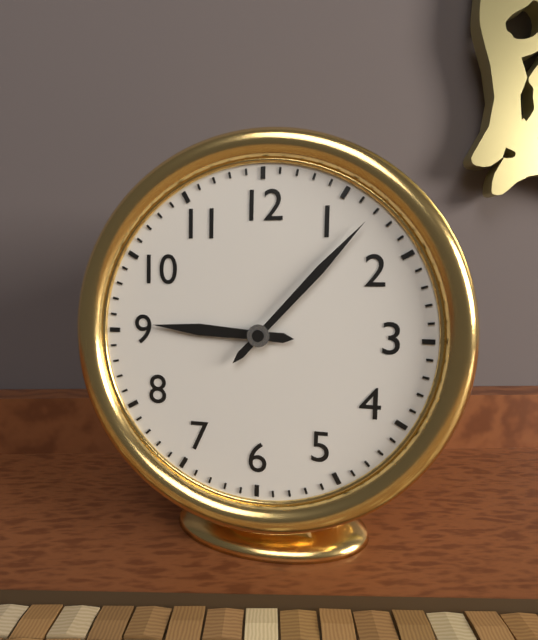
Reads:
h=9 m=7
